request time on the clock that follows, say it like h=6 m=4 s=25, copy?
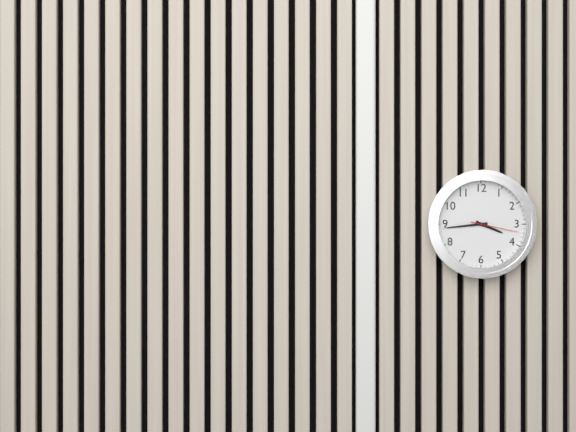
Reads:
h=3 m=44 s=17
